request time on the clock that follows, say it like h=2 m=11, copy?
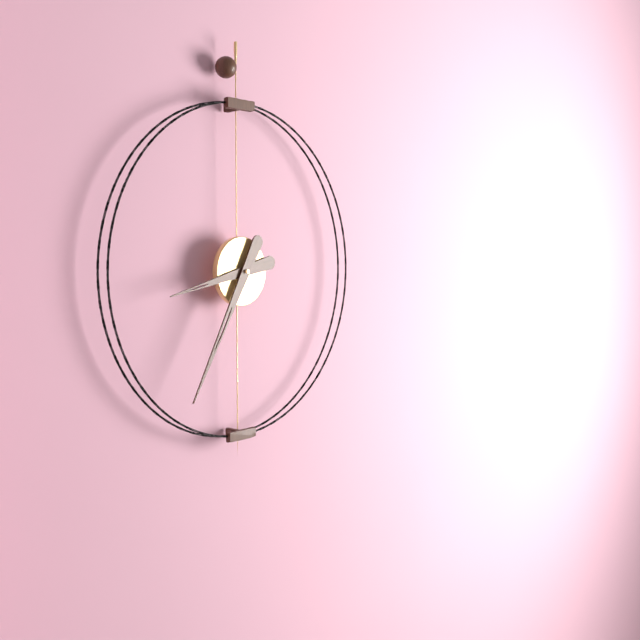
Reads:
h=8 m=35
